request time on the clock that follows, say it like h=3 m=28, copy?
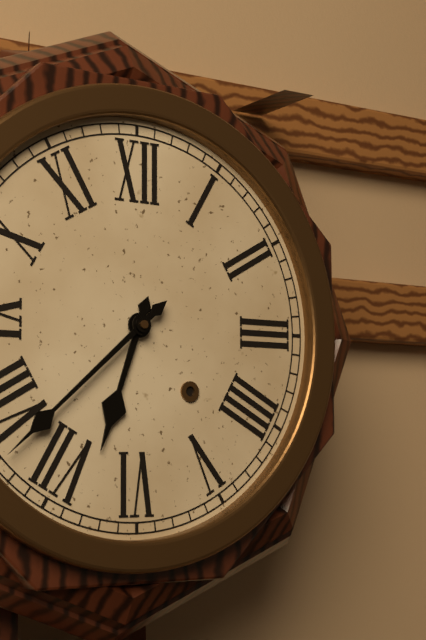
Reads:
h=6 m=38
